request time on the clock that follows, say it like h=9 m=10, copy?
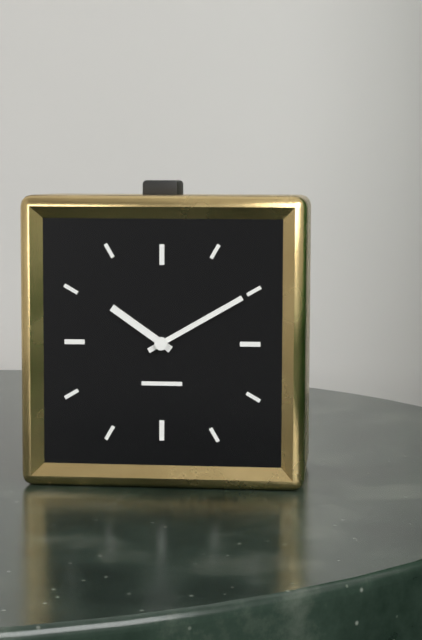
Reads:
h=10 m=10
